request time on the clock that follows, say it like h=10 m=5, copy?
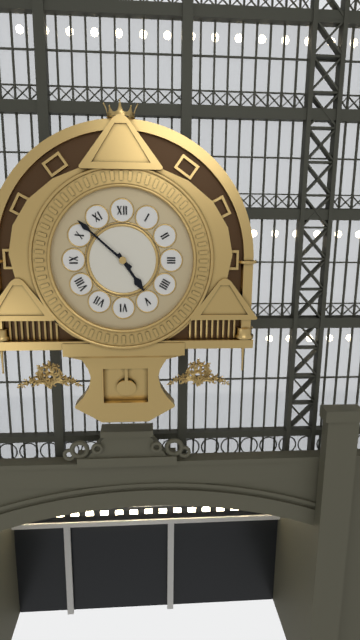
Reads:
h=4 m=52
